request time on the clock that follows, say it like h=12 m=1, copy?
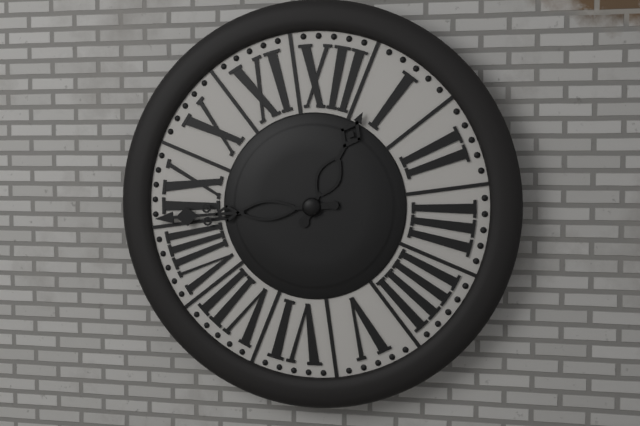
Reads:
h=12 m=43
